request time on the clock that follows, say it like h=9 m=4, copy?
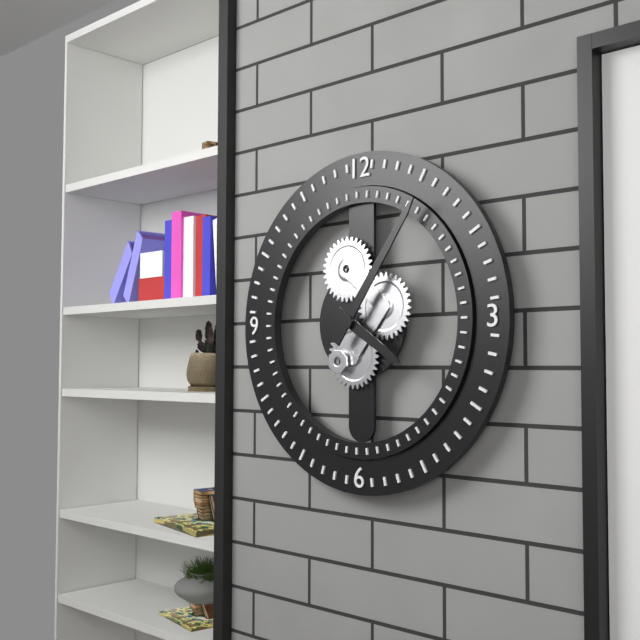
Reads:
h=4 m=6
